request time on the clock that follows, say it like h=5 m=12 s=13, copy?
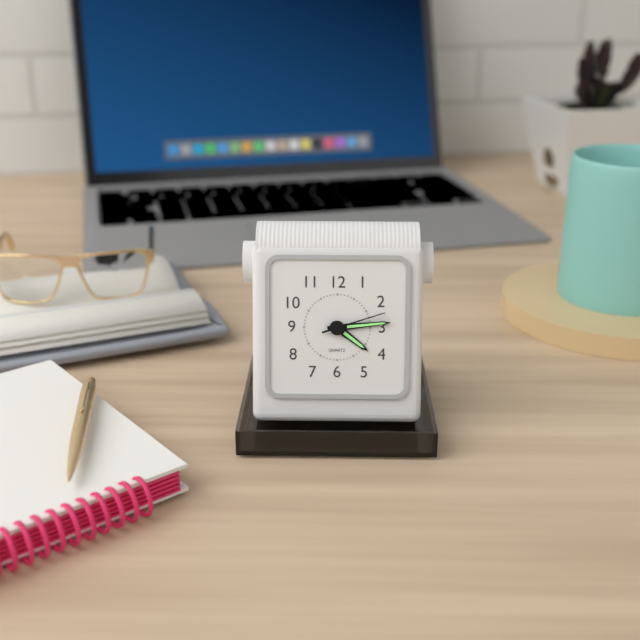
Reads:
h=4 m=14 s=12
